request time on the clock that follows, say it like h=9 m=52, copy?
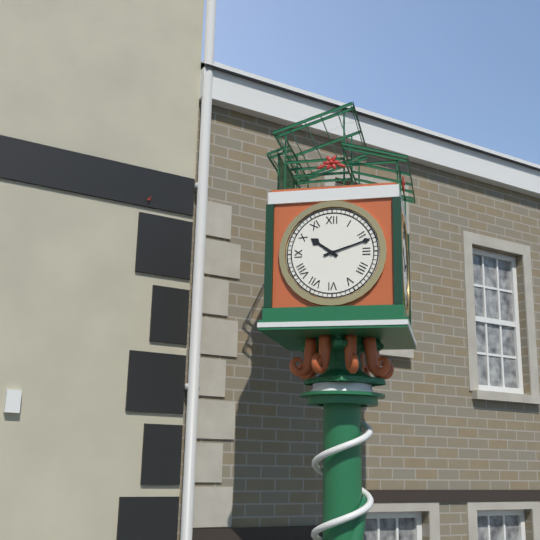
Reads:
h=10 m=12
